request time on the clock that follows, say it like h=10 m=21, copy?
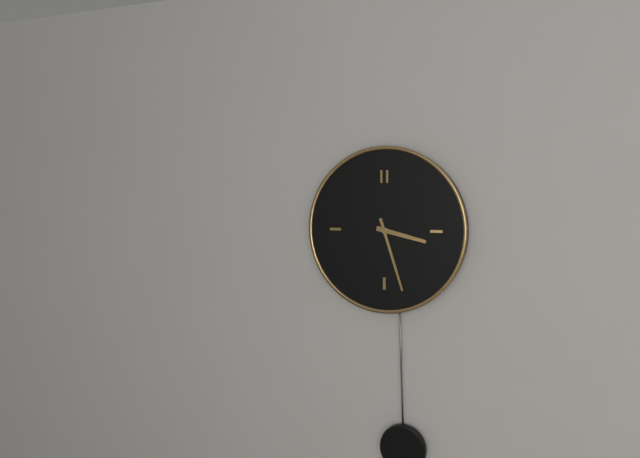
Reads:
h=3 m=27
